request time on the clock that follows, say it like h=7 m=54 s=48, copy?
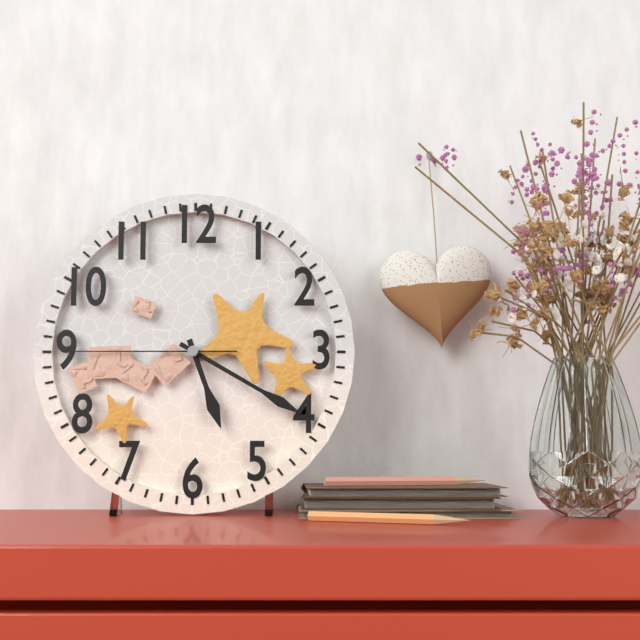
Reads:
h=5 m=20 s=45
